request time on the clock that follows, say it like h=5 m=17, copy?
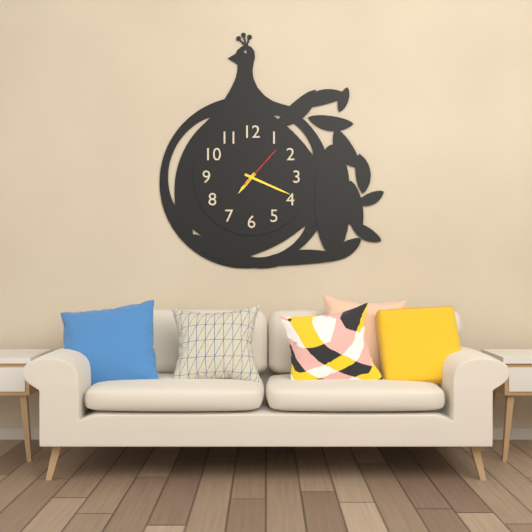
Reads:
h=7 m=19
